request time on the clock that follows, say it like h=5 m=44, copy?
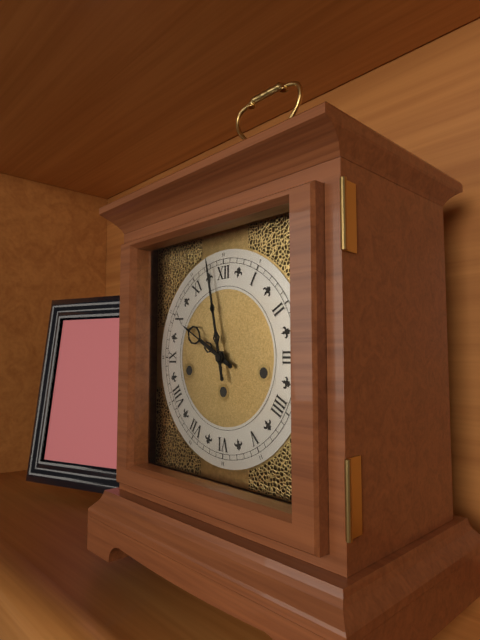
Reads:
h=9 m=58
